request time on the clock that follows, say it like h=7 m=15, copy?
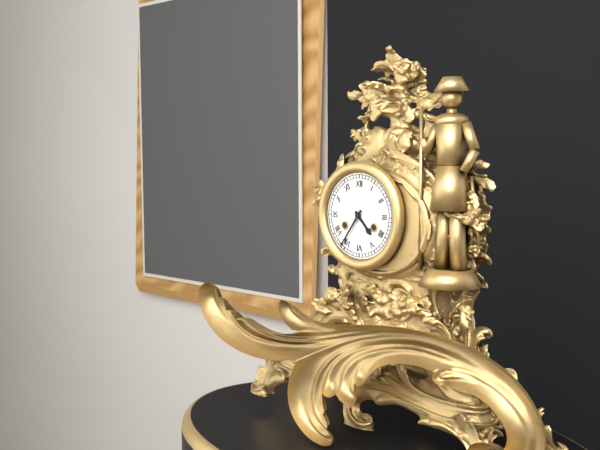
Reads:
h=4 m=36
